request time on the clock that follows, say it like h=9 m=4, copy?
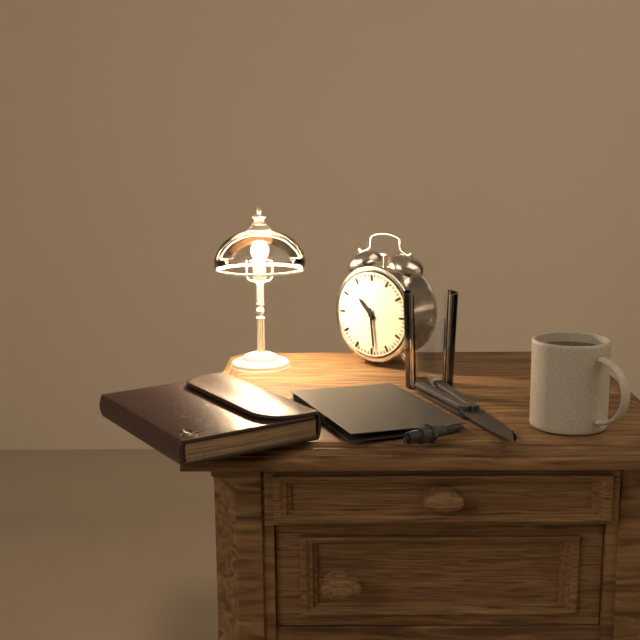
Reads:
h=10 m=29
